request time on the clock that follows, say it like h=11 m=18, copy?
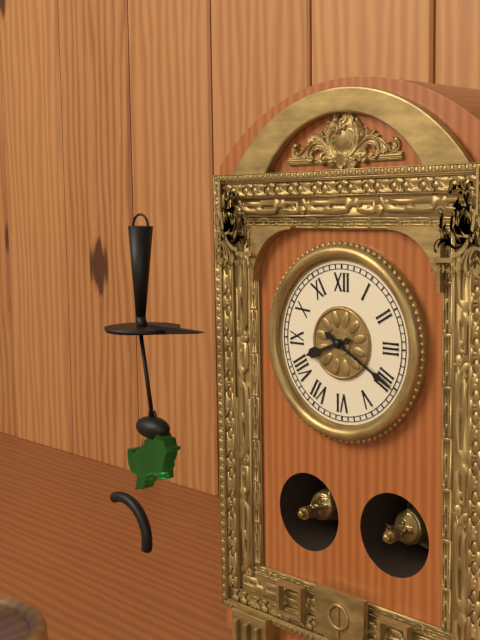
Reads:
h=8 m=20
